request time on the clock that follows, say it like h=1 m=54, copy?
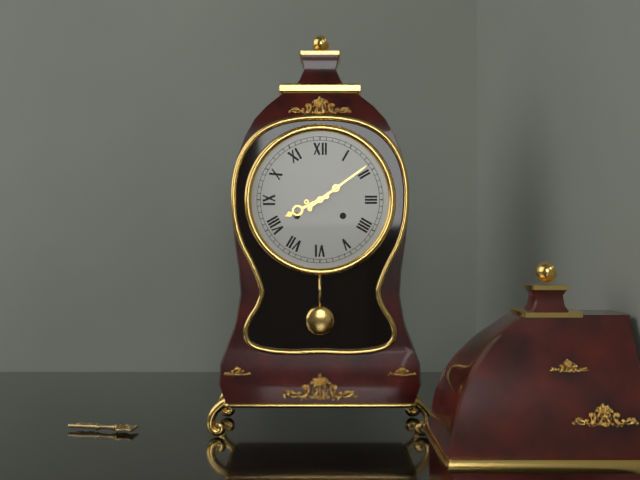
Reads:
h=8 m=9
